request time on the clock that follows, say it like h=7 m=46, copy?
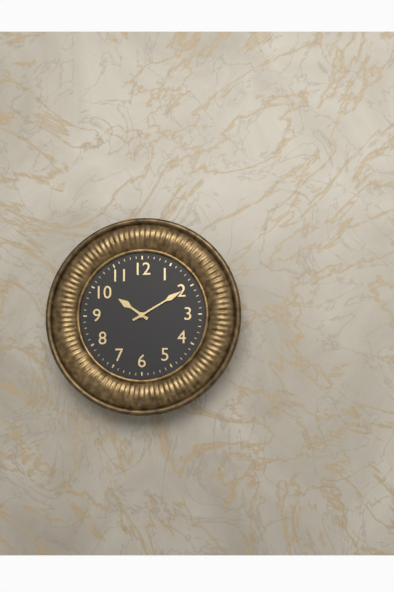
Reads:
h=10 m=10
